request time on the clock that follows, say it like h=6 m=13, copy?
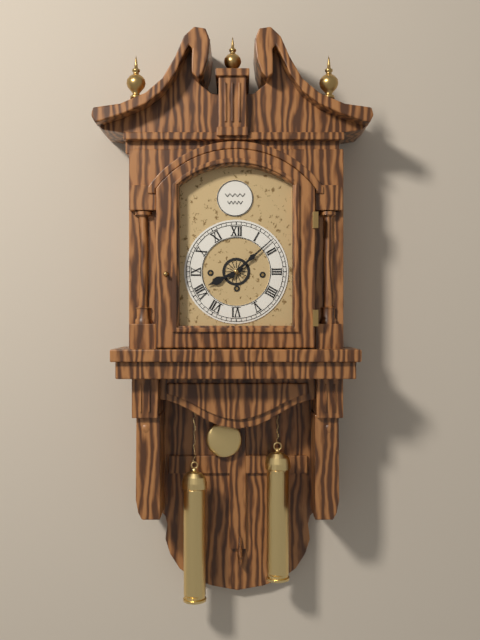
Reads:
h=8 m=8
